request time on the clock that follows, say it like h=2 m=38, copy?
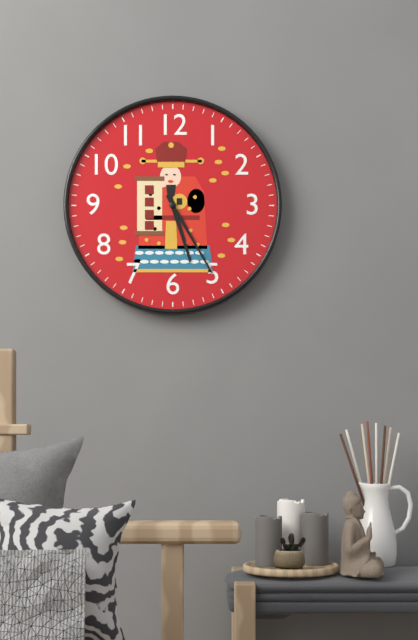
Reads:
h=5 m=25
